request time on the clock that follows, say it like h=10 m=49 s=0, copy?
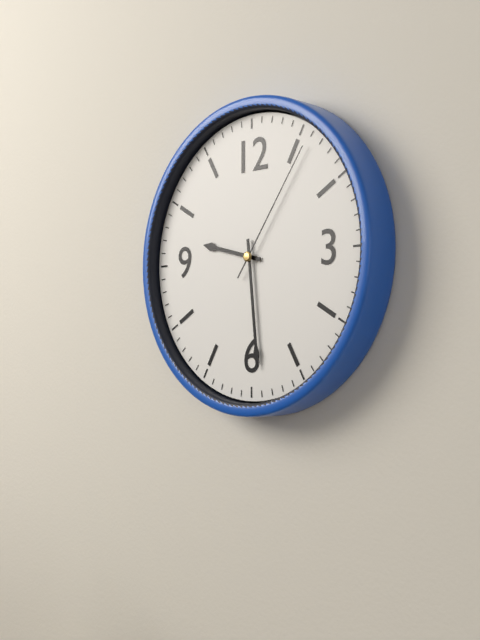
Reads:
h=9 m=29 s=6
